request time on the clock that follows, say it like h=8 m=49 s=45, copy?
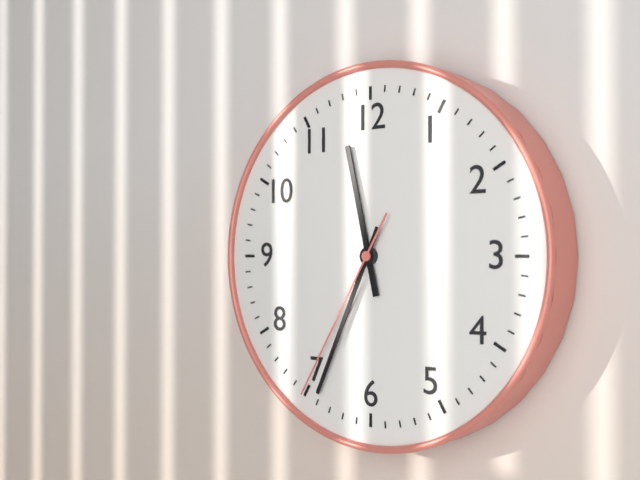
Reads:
h=11 m=34 s=35
